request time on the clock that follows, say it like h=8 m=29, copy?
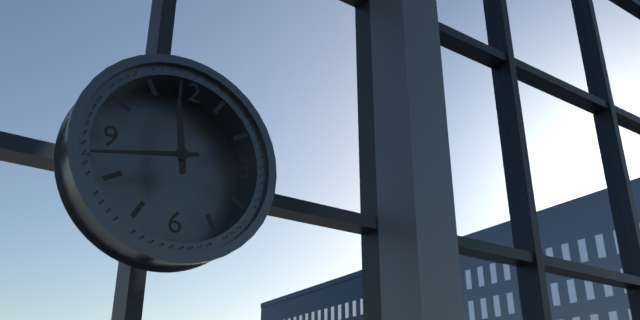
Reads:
h=11 m=43
